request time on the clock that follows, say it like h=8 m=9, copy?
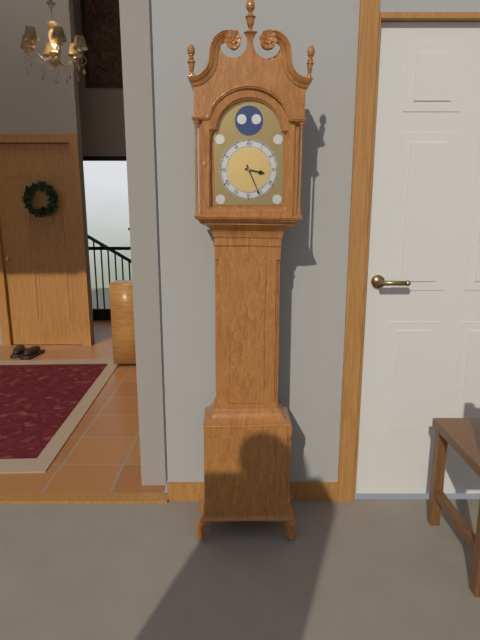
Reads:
h=3 m=26
